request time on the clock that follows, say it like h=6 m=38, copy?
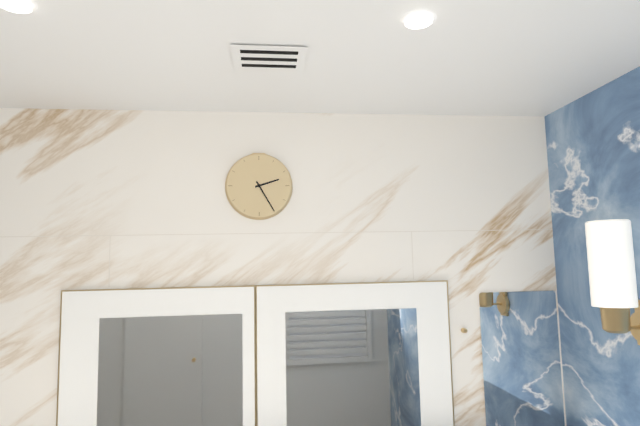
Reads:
h=2 m=25
